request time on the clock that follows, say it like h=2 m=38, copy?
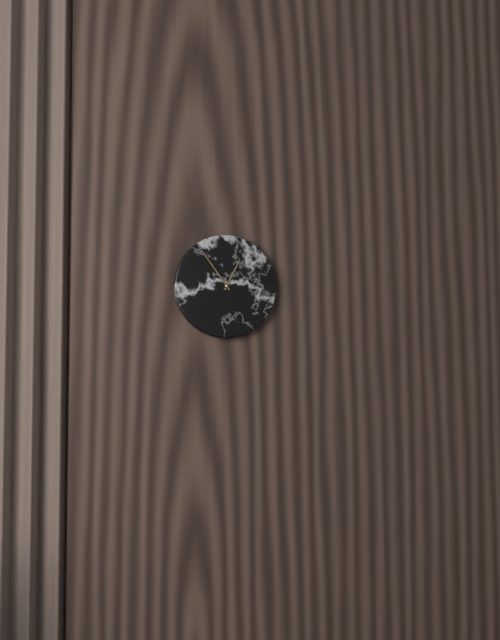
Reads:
h=12 m=54
